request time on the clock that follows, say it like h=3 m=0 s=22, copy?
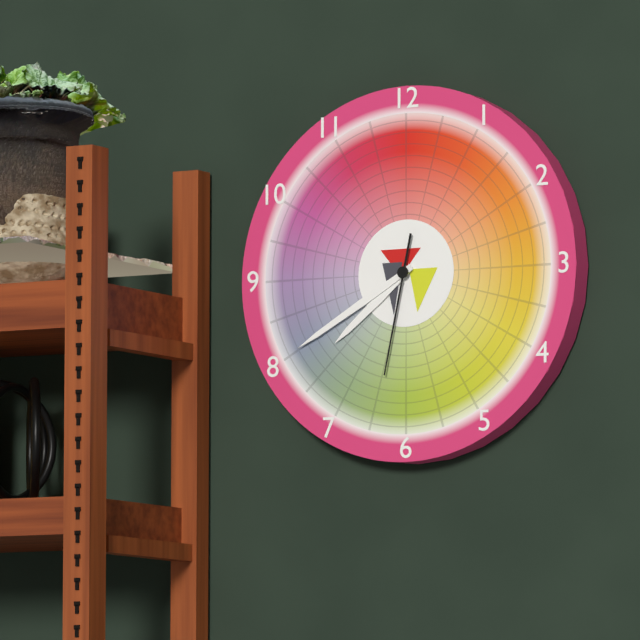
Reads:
h=7 m=40 s=32
